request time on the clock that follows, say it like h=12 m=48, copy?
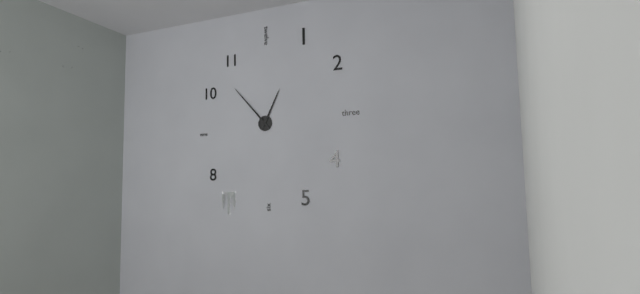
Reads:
h=12 m=53
